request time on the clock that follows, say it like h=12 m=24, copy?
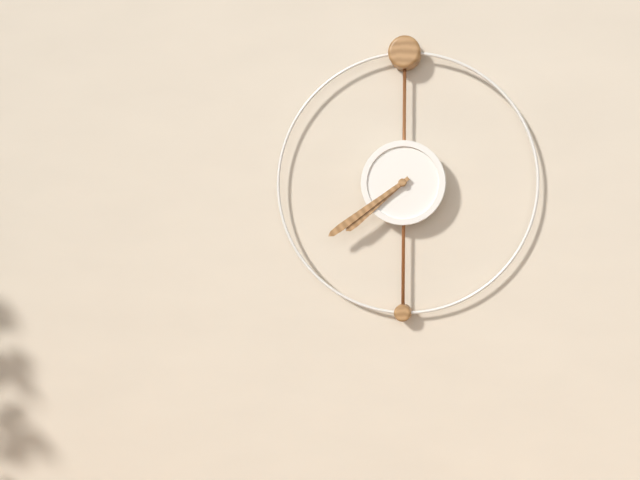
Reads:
h=7 m=39
